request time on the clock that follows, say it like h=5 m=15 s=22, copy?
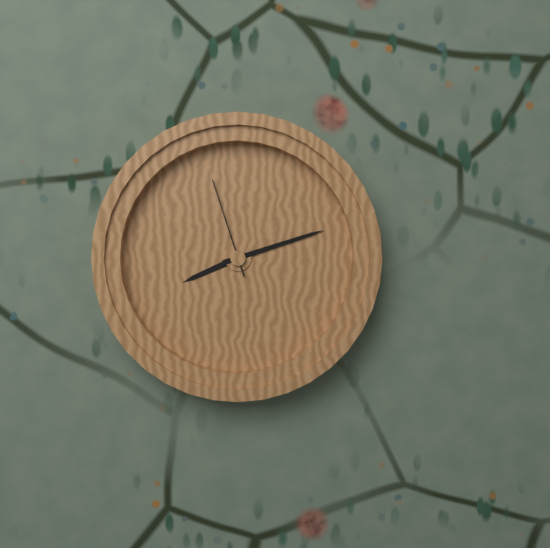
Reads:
h=8 m=12 s=57
